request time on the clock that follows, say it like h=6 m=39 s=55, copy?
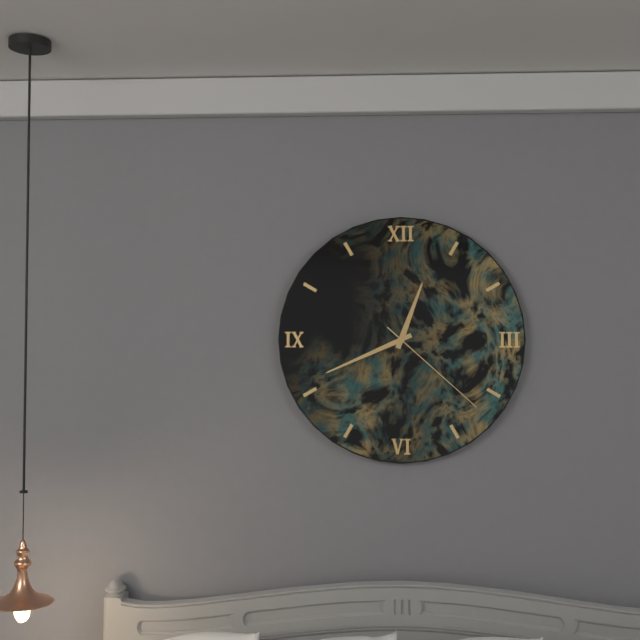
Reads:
h=12 m=41 s=22
